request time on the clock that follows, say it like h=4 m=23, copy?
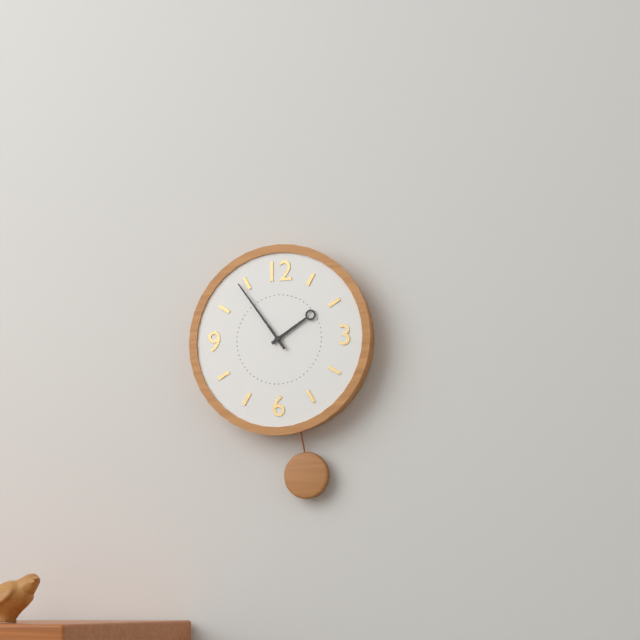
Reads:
h=1 m=54
